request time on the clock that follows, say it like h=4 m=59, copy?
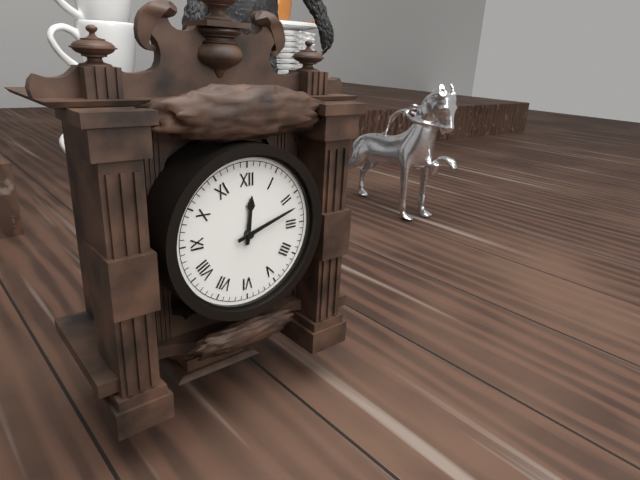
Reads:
h=12 m=12
